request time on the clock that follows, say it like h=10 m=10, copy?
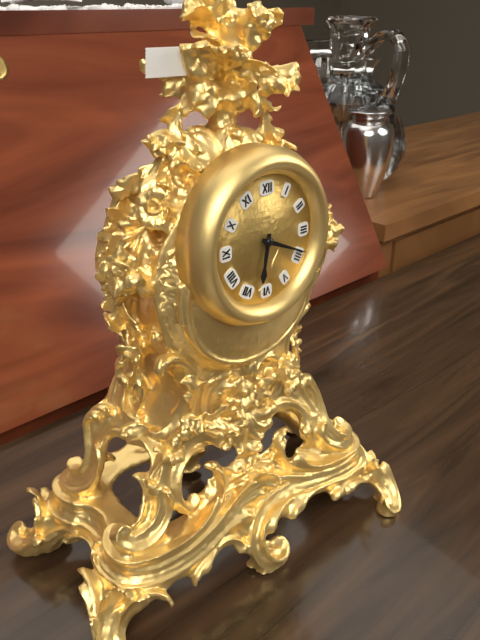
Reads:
h=6 m=19
